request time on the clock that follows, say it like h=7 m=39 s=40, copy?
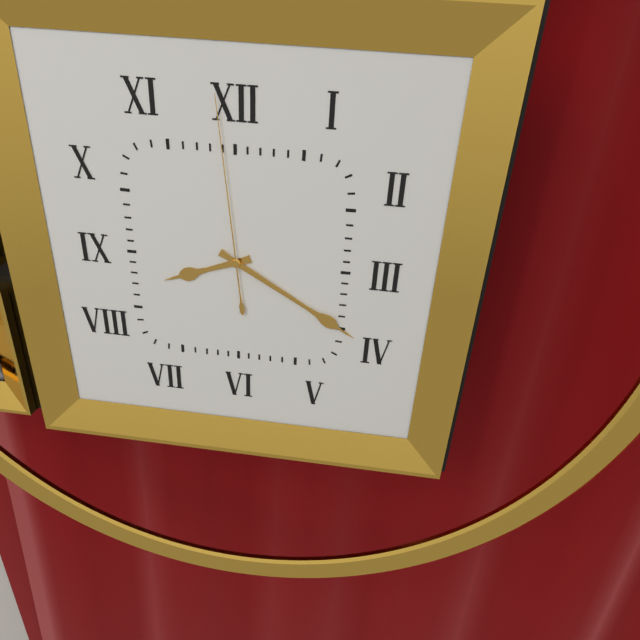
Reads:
h=8 m=20 s=59
